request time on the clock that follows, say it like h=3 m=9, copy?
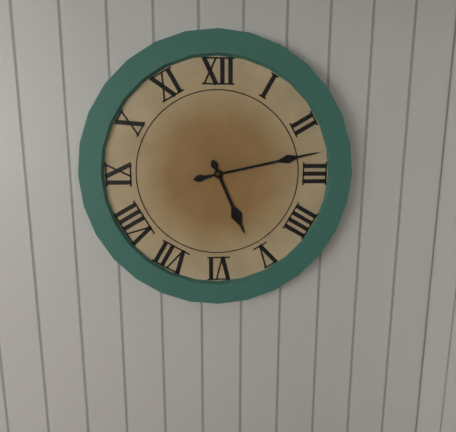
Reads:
h=5 m=13
